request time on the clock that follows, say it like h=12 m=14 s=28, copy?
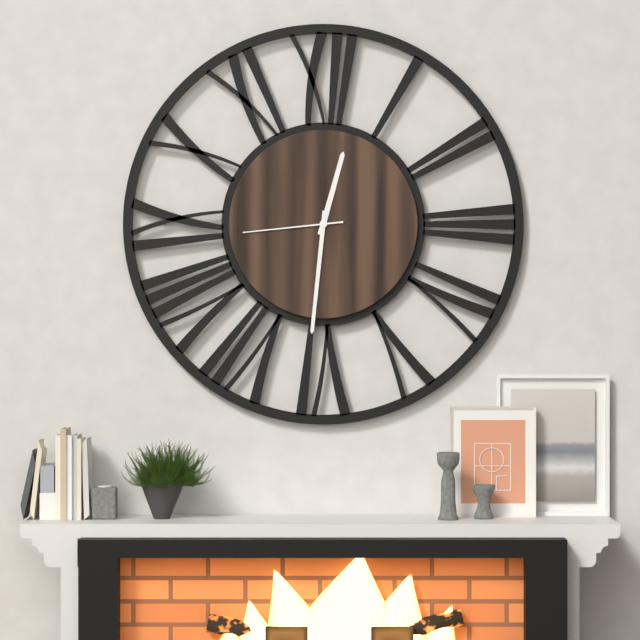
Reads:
h=12 m=31 s=44
